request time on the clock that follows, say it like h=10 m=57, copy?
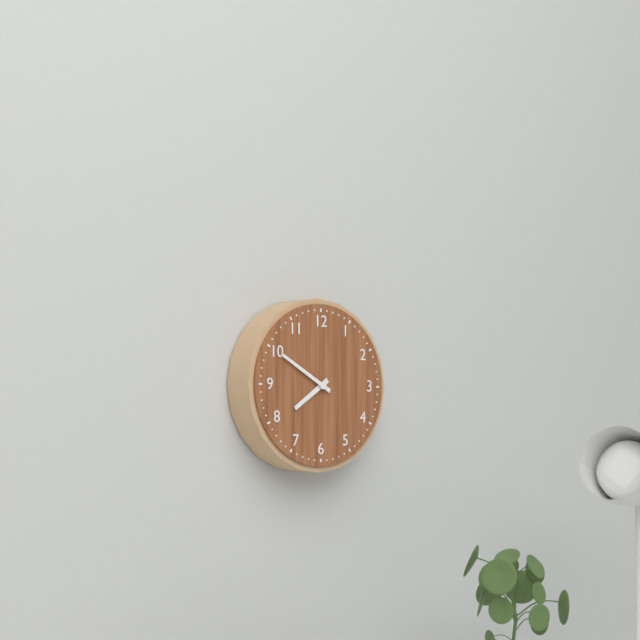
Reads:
h=7 m=50
